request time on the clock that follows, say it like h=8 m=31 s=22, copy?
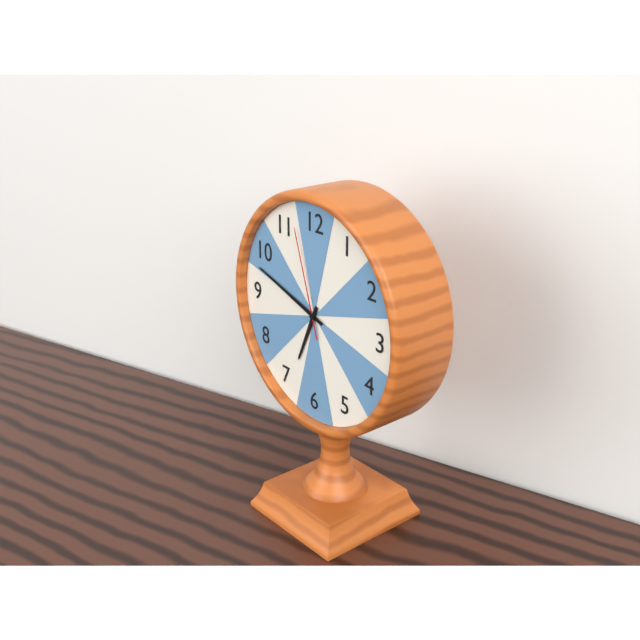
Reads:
h=6 m=48 s=57
